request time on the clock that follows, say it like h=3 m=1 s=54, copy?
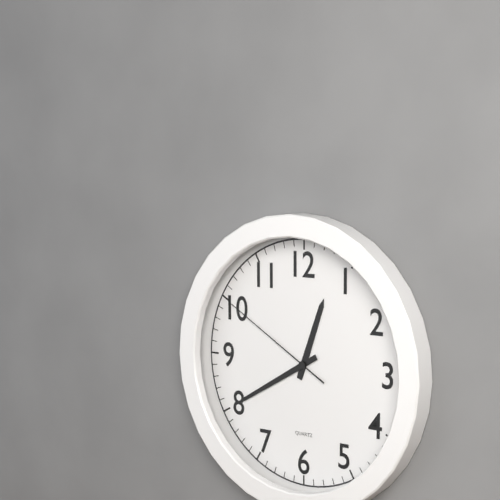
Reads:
h=12 m=40 s=50
